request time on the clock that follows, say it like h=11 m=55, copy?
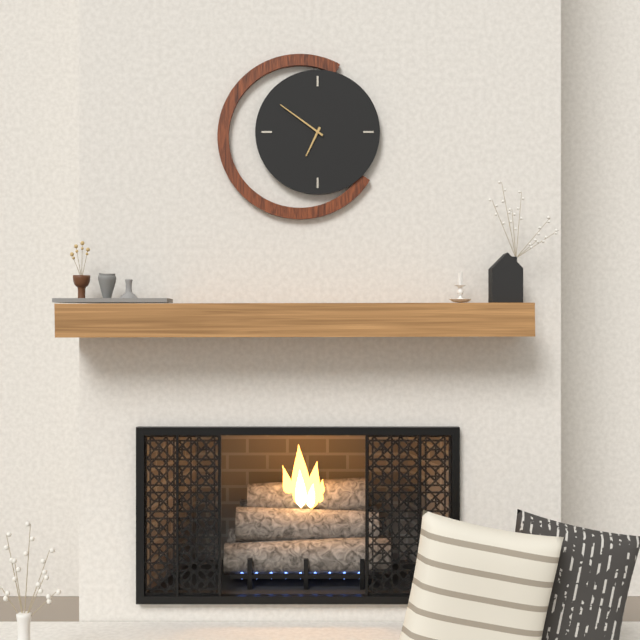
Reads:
h=6 m=51
